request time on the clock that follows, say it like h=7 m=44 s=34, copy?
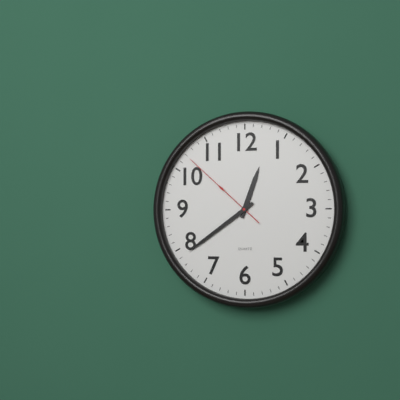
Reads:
h=12 m=39 s=52
